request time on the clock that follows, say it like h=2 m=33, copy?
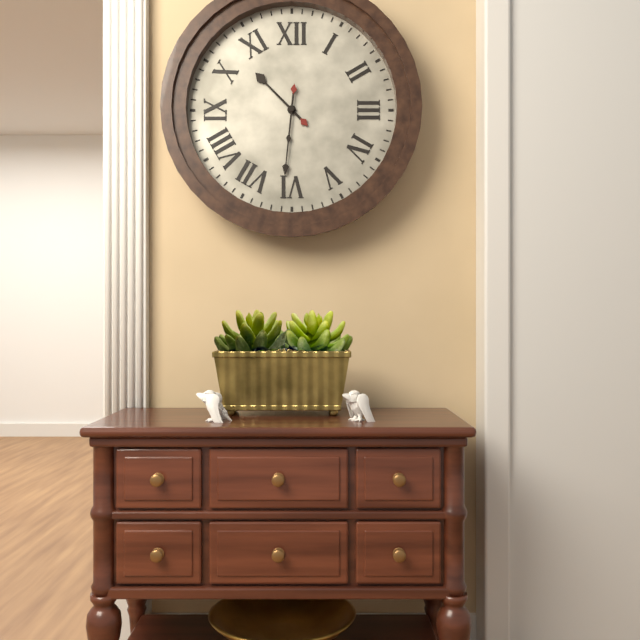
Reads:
h=10 m=31
